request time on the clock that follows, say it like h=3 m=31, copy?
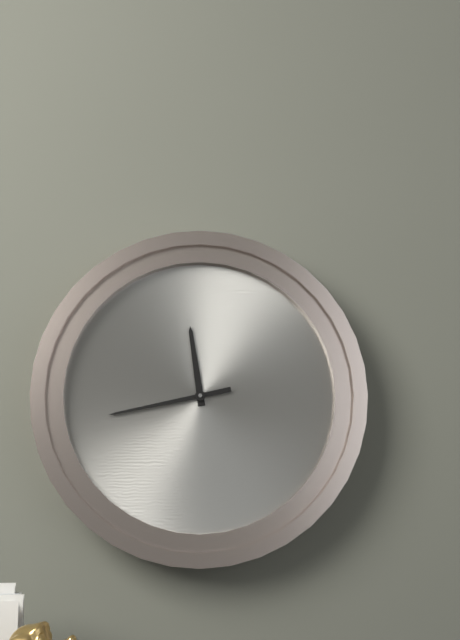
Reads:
h=11 m=43
